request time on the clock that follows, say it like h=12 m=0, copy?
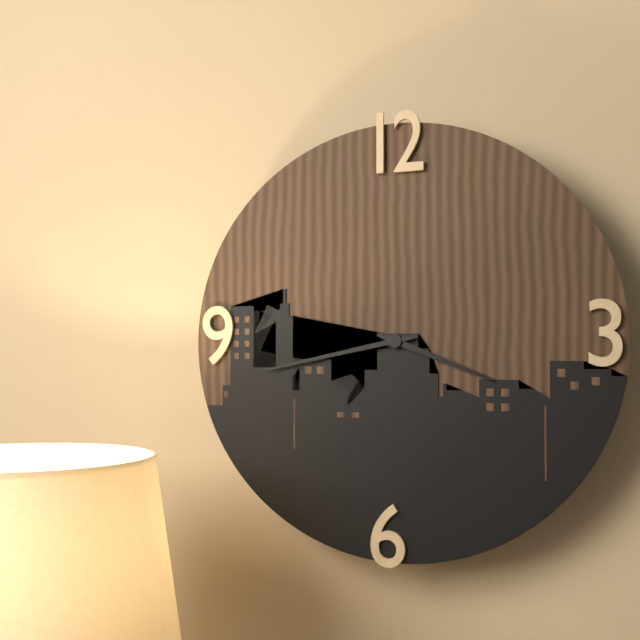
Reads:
h=3 m=43
